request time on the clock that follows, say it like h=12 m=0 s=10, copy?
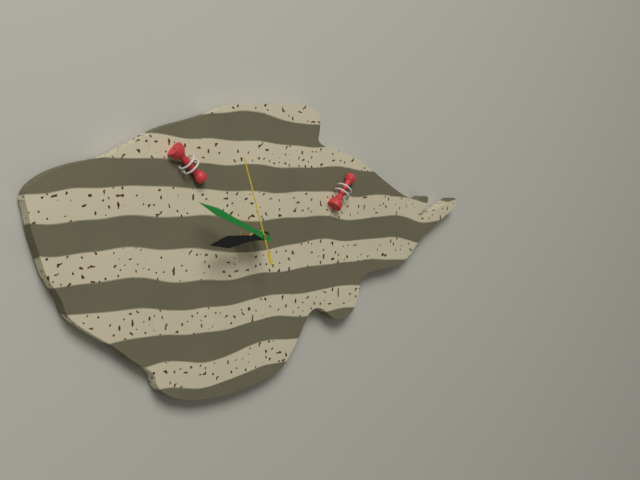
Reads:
h=8 m=49 s=57
